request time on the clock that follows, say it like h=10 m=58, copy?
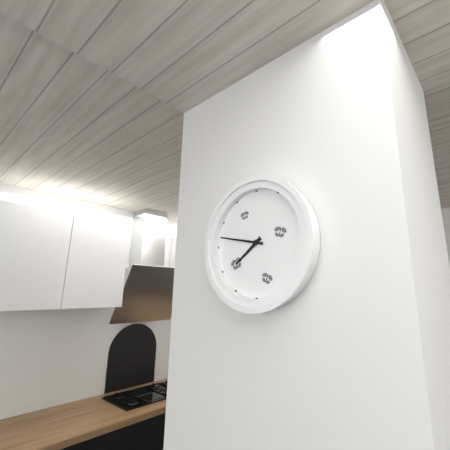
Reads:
h=7 m=47
